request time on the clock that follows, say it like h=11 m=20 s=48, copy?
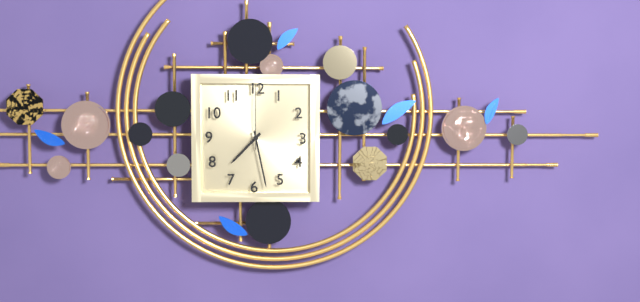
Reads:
h=7 m=28 s=0
